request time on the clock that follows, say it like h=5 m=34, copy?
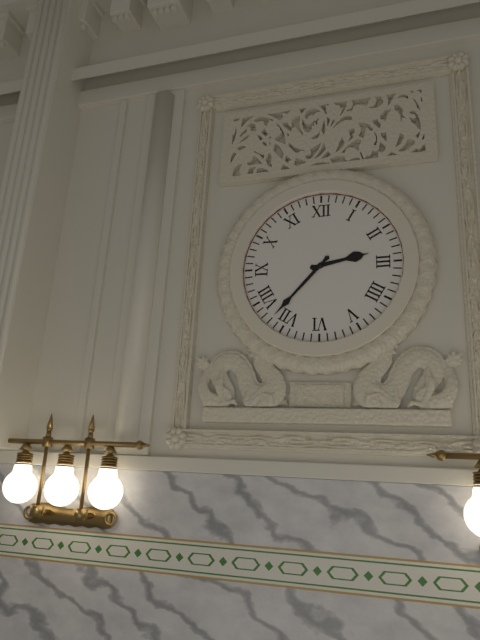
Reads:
h=2 m=37
